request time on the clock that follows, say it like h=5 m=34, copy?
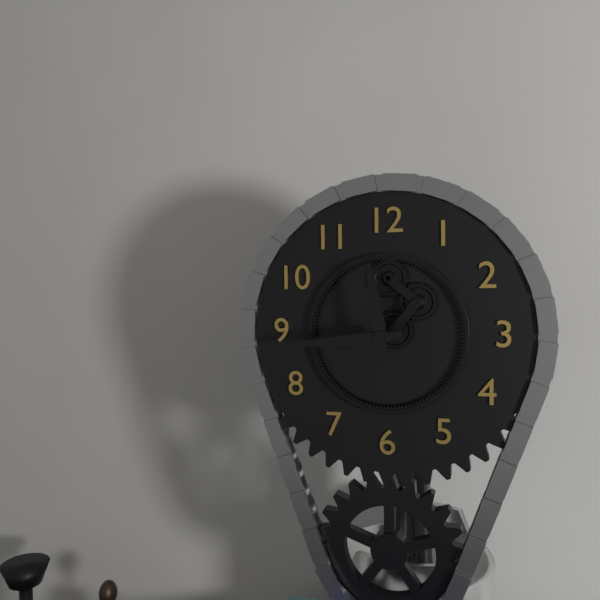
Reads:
h=11 m=44
